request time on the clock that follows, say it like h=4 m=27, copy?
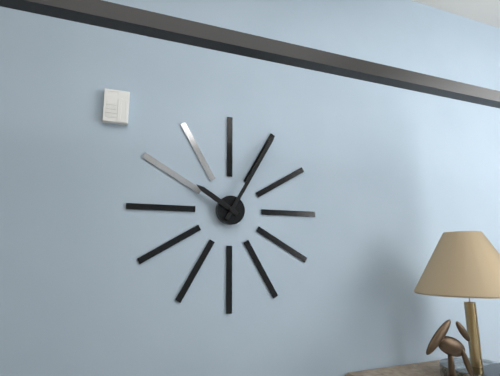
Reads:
h=10 m=5
